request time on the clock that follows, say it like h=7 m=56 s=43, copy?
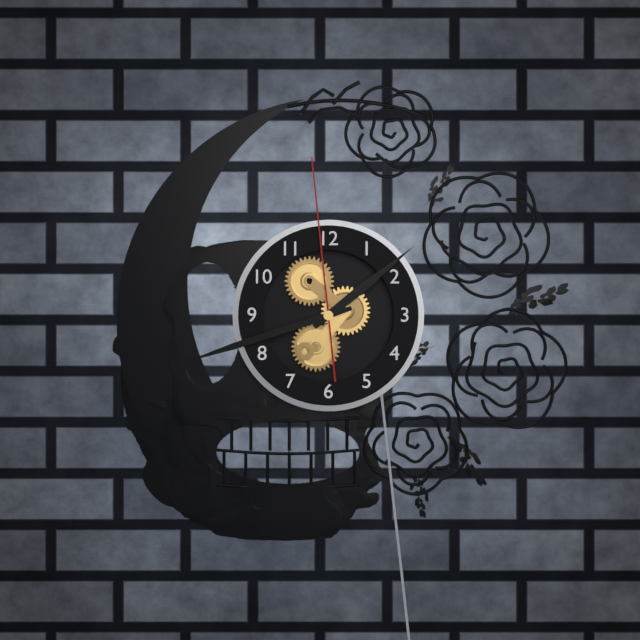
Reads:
h=1 m=42 s=59
